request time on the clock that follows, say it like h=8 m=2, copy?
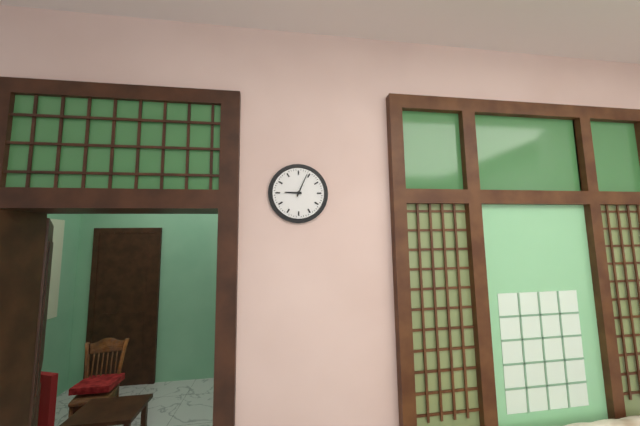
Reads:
h=9 m=4
